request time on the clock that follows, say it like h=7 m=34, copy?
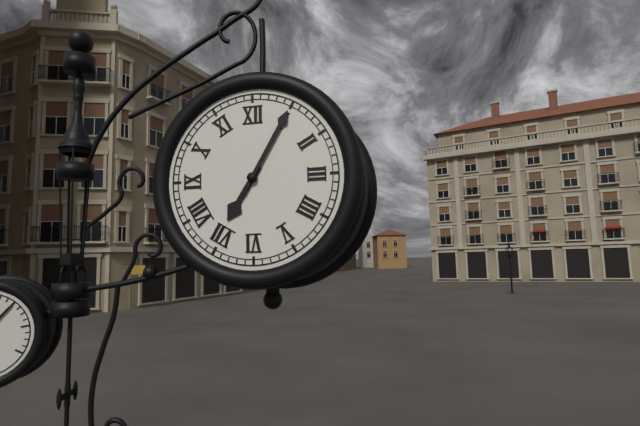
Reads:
h=7 m=5
